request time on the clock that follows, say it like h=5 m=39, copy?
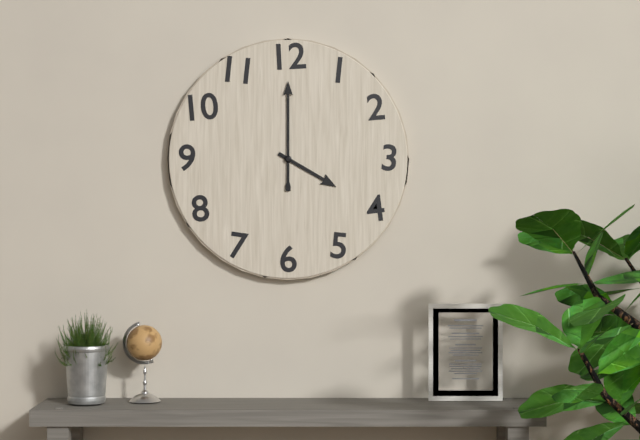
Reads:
h=4 m=0
